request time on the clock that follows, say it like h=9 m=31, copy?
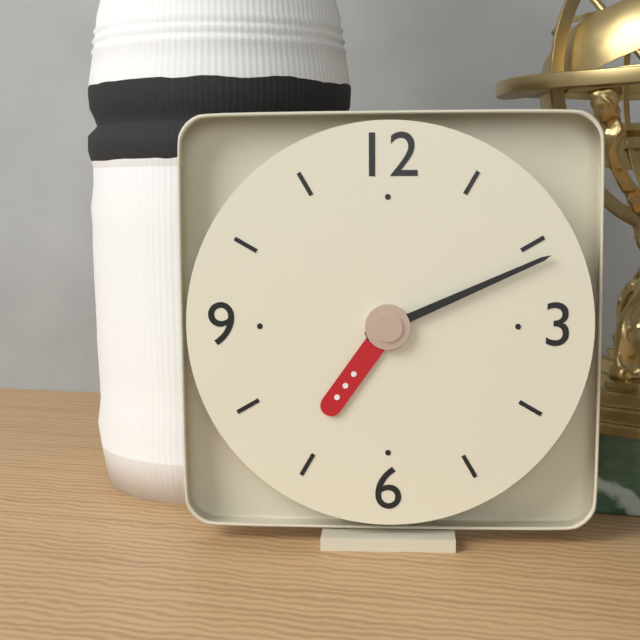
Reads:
h=7 m=11
